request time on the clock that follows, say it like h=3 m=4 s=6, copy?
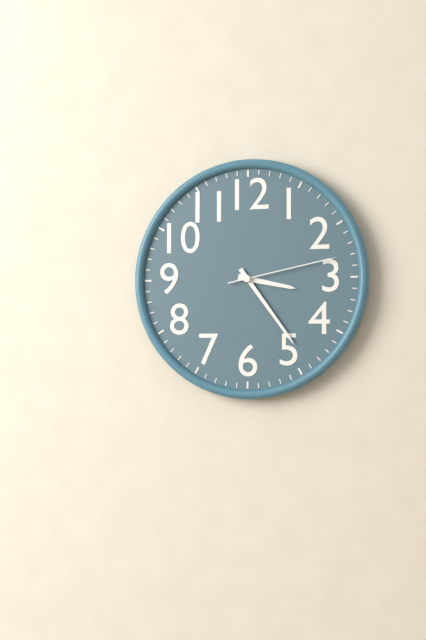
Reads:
h=3 m=24 s=13
